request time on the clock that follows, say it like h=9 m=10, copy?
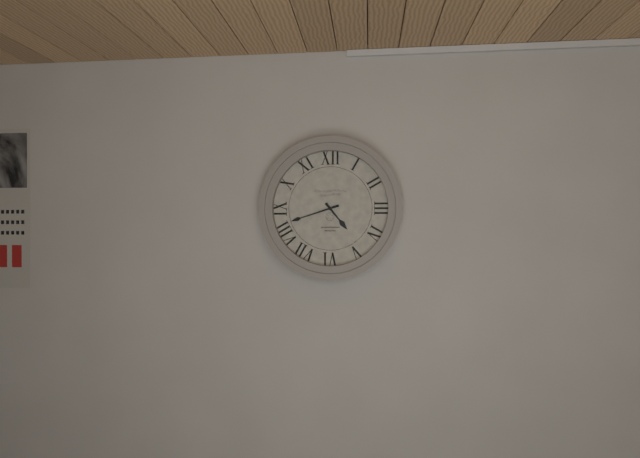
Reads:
h=4 m=42
